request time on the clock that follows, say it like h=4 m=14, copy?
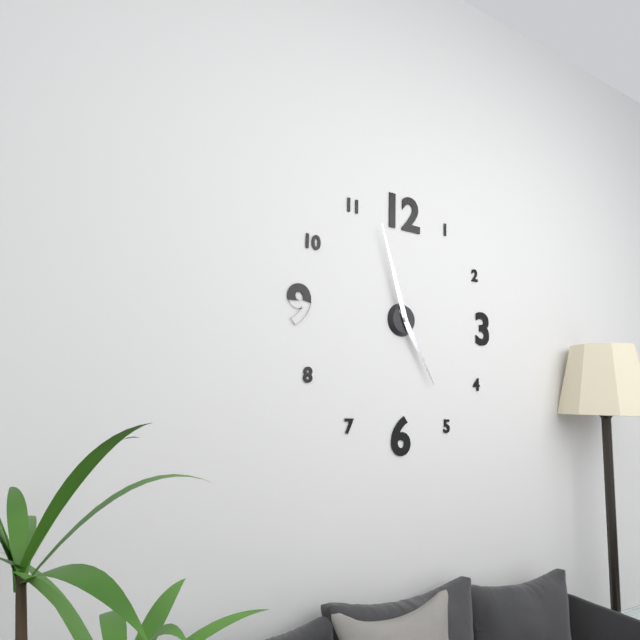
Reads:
h=4 m=57
